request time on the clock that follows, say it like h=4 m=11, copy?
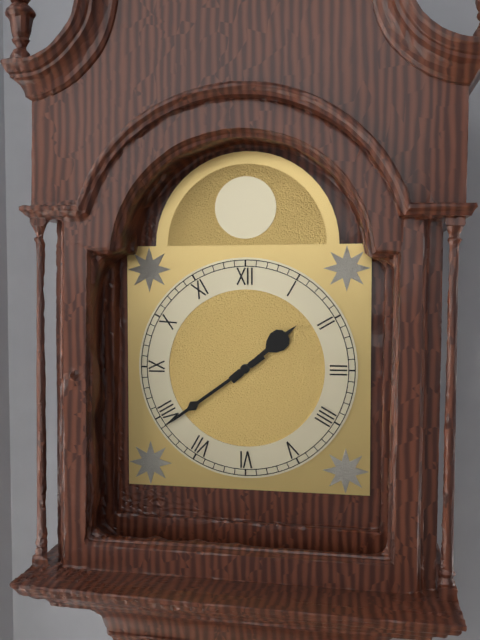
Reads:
h=1 m=39
